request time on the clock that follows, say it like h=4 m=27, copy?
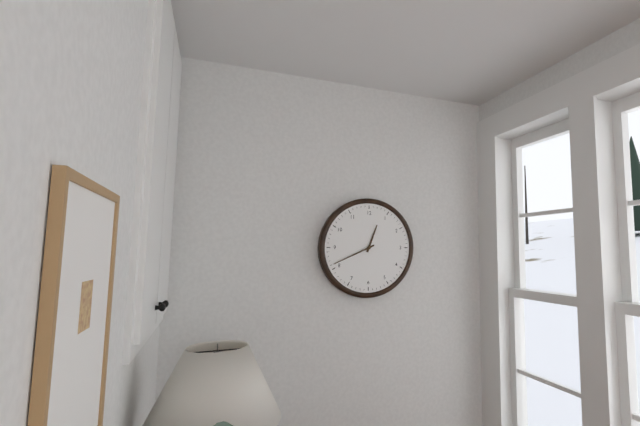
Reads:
h=12 m=41
